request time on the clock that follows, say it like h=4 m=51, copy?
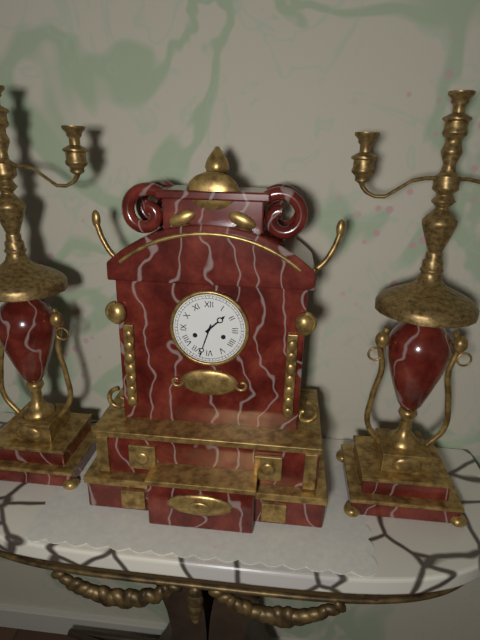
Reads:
h=1 m=33
